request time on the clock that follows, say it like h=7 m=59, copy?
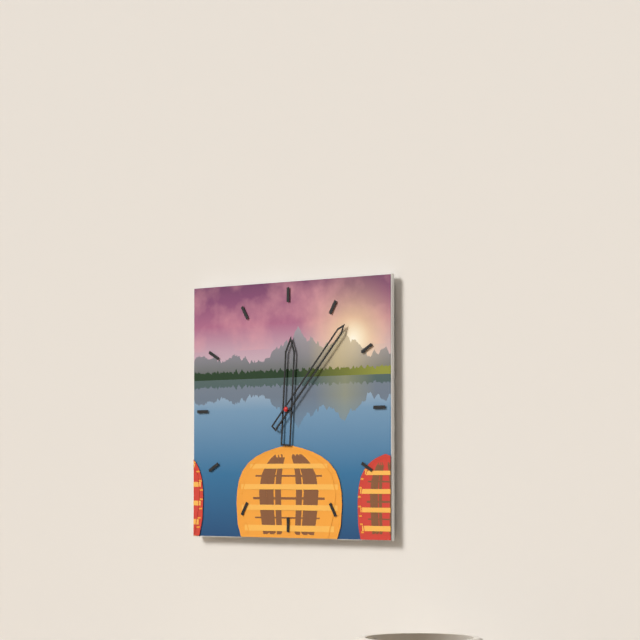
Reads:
h=12 m=7
